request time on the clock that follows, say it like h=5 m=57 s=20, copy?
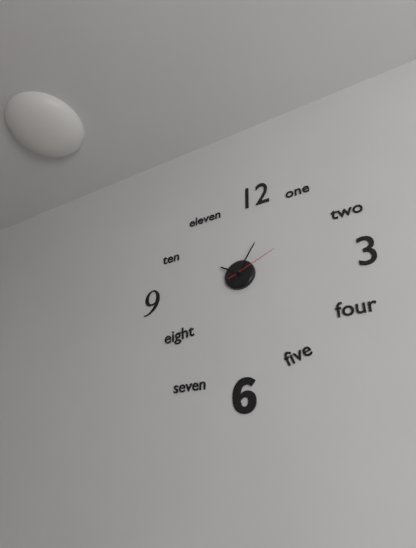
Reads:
h=10 m=5 s=11
